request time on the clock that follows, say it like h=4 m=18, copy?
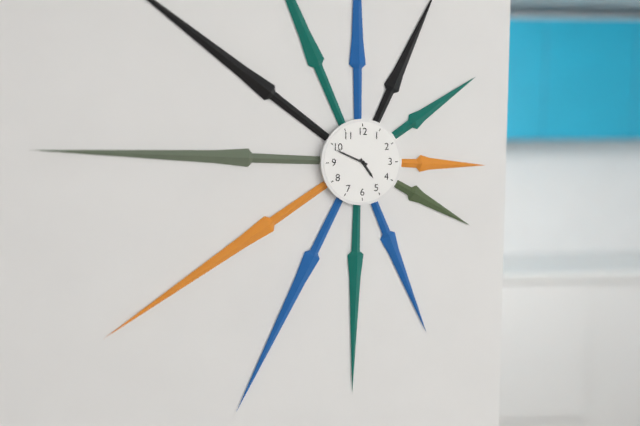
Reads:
h=4 m=49
